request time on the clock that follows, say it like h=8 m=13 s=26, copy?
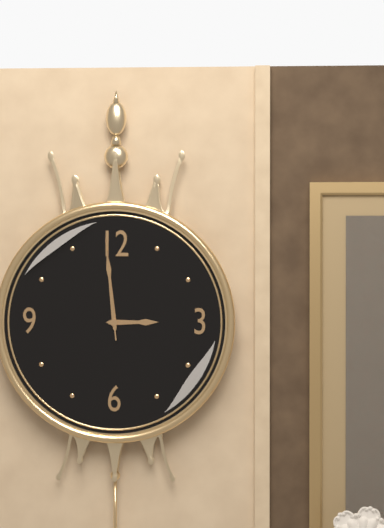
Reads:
h=2 m=59 s=59
